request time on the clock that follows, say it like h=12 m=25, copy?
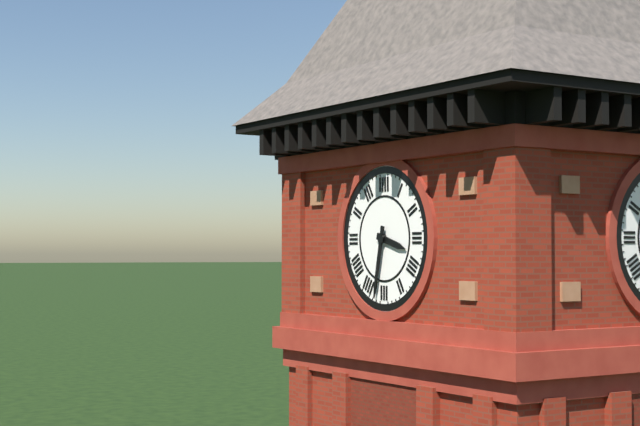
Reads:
h=3 m=32
